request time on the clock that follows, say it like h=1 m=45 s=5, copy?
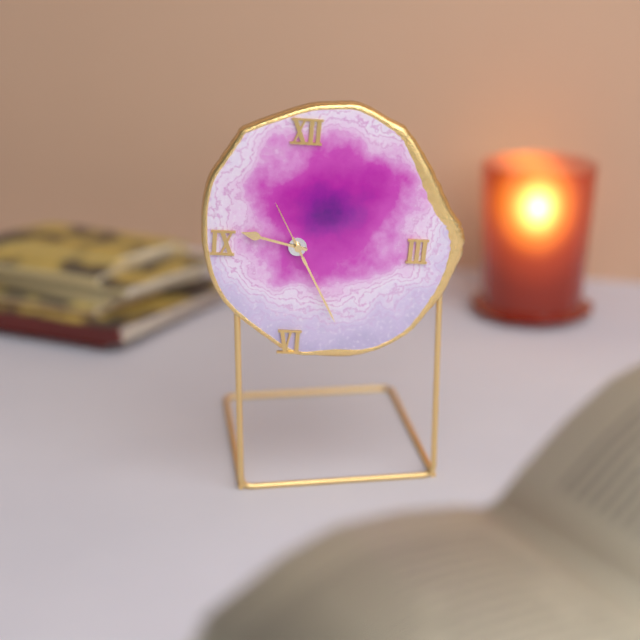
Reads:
h=9 m=25 s=55
